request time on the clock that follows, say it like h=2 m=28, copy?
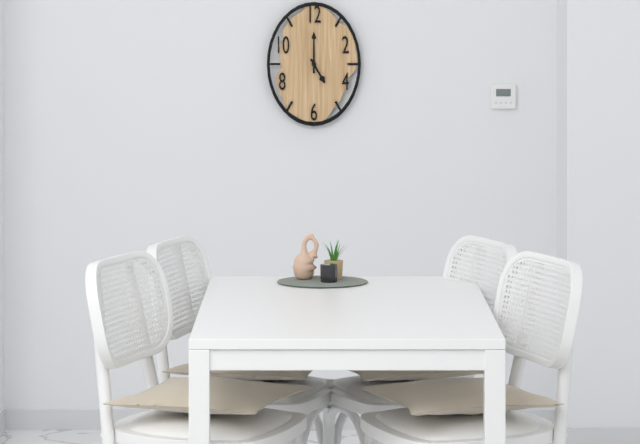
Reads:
h=5 m=0
